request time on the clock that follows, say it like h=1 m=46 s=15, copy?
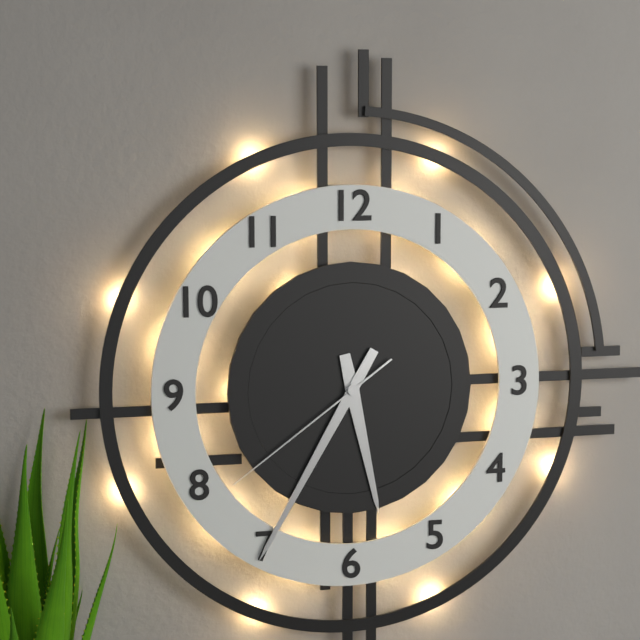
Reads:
h=5 m=35 s=39
